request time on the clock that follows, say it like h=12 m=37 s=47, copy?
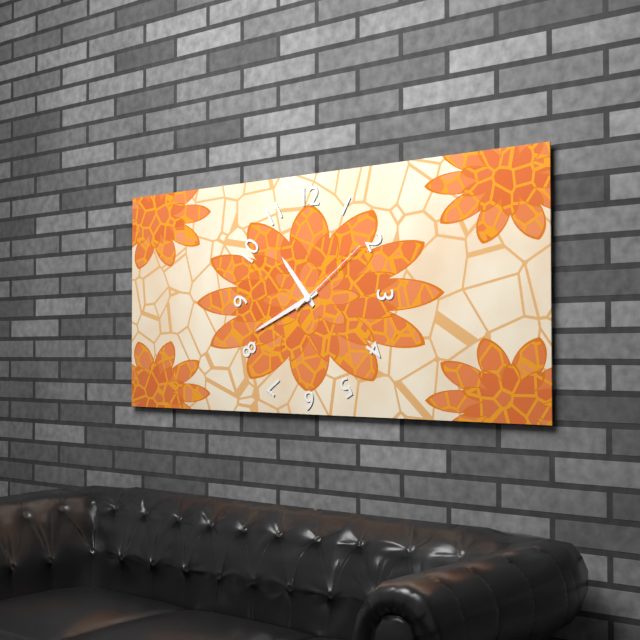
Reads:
h=10 m=41 s=9
